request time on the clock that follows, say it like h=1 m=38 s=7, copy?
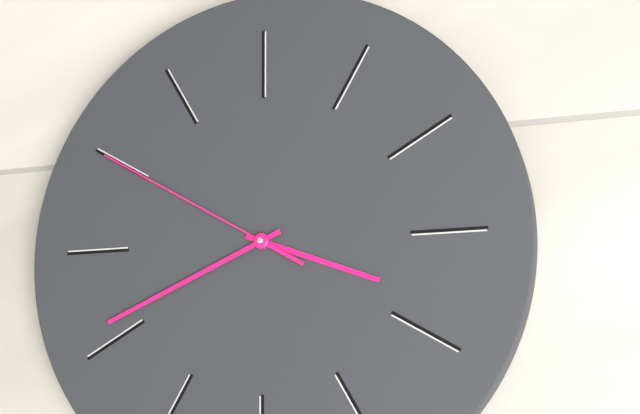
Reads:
h=3 m=41 s=50
